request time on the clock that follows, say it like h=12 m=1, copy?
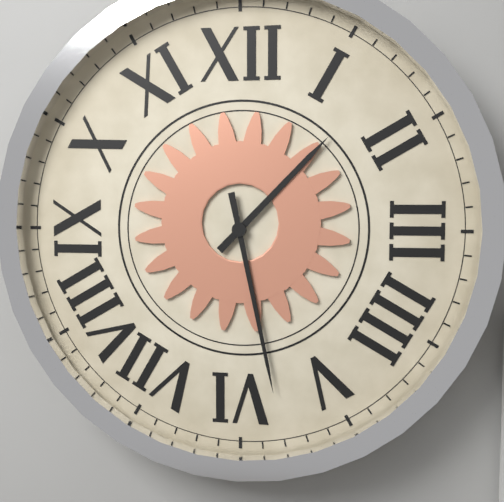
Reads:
h=1 m=28
